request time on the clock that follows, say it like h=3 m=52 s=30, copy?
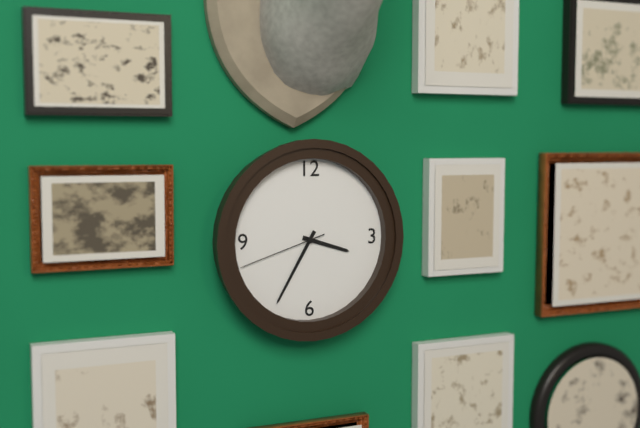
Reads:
h=3 m=35 s=42
